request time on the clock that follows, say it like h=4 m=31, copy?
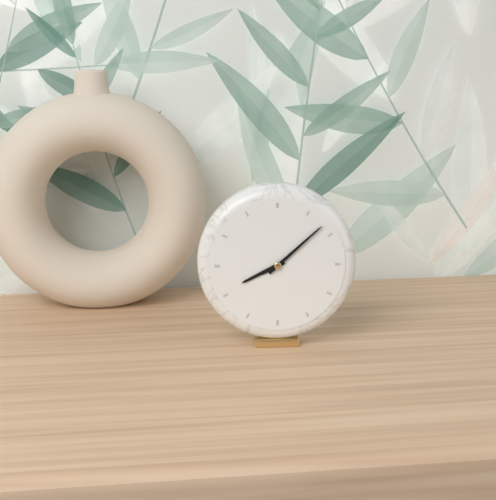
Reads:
h=8 m=8
